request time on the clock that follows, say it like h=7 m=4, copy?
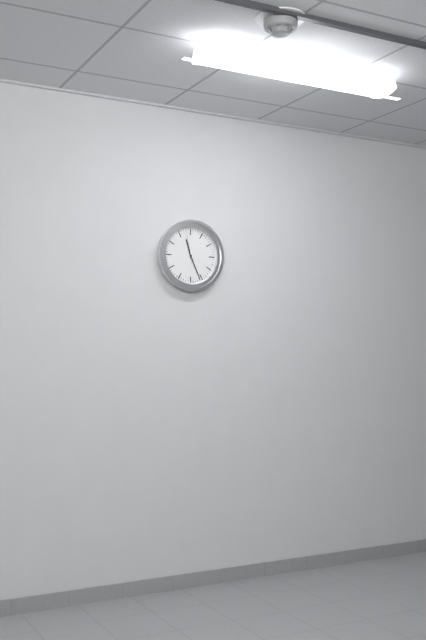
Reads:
h=11 m=26
